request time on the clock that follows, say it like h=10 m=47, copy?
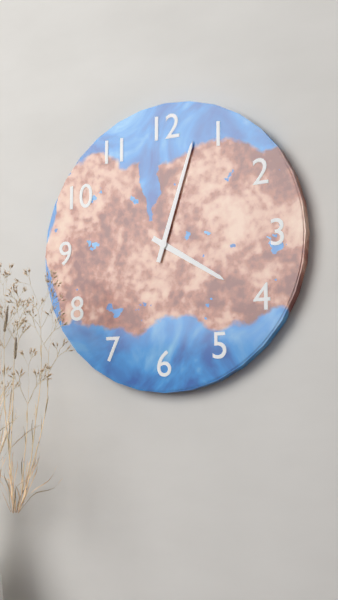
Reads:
h=4 m=3
